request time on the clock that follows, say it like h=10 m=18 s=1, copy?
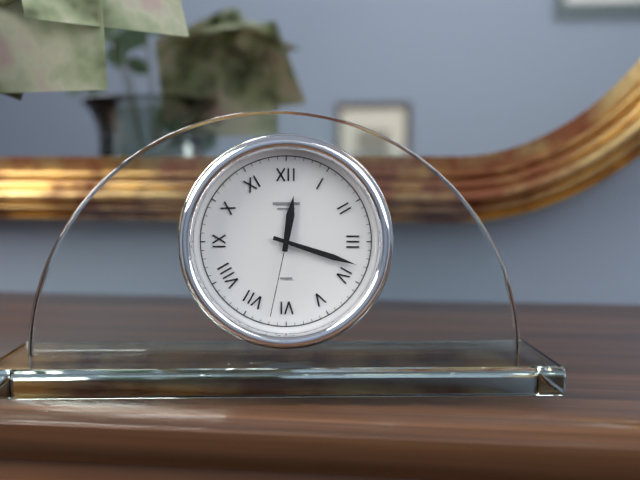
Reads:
h=12 m=18 s=32
